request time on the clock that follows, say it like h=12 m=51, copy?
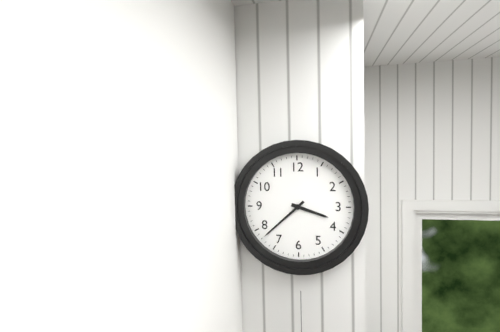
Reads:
h=3 m=38
